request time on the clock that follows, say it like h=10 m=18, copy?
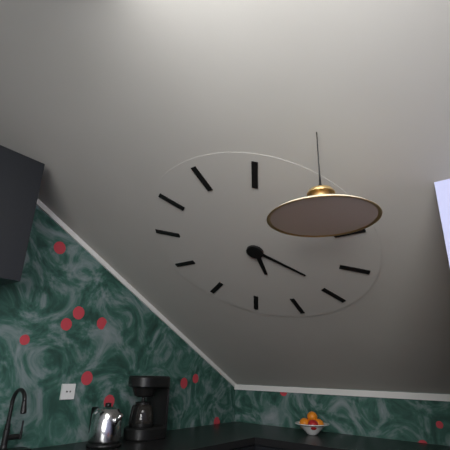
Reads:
h=6 m=24
